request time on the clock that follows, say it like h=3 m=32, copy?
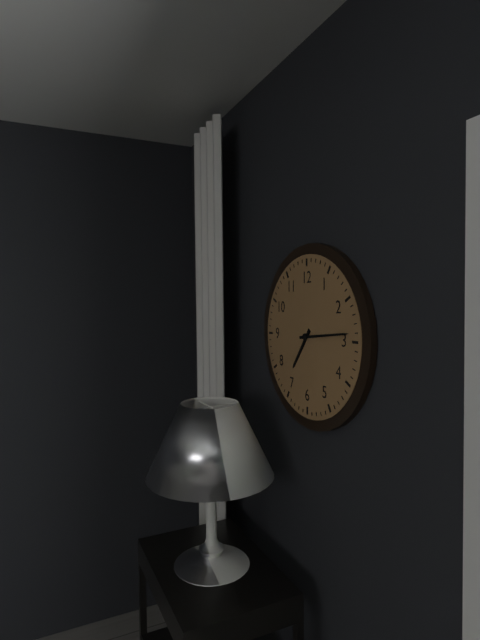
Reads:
h=7 m=14
